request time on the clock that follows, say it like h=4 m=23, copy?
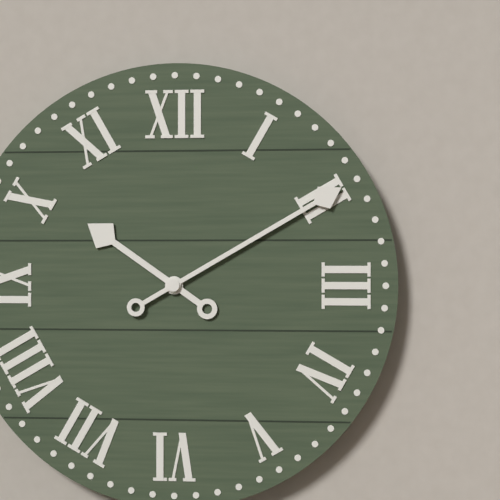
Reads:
h=10 m=10
